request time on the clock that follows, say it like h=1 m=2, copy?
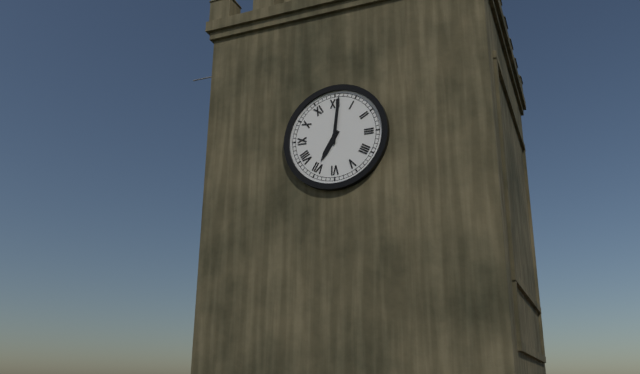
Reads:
h=7 m=1
